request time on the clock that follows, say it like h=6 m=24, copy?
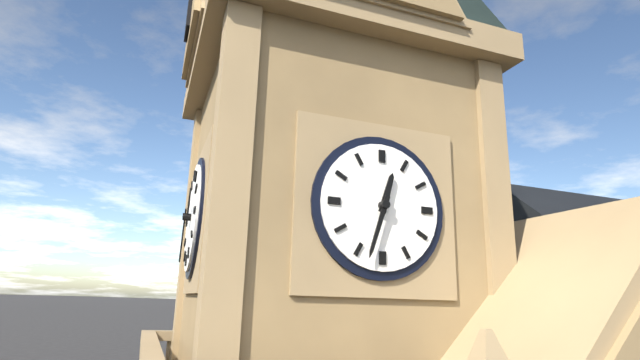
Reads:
h=12 m=33
